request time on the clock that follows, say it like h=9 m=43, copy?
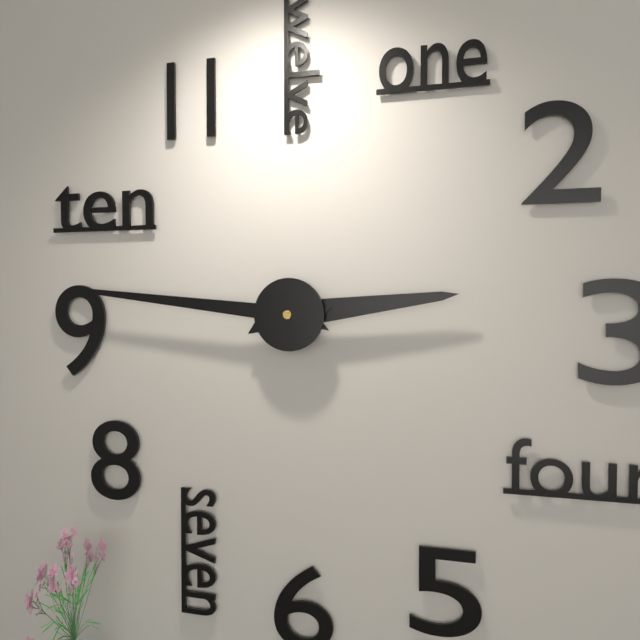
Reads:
h=2 m=46
